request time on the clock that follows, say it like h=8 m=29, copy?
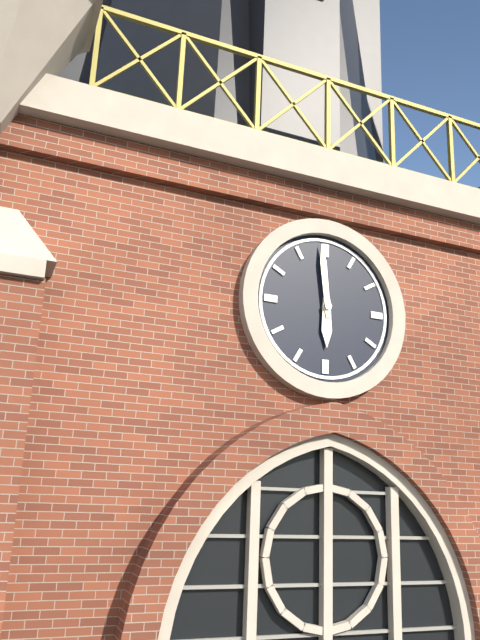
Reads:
h=5 m=59
